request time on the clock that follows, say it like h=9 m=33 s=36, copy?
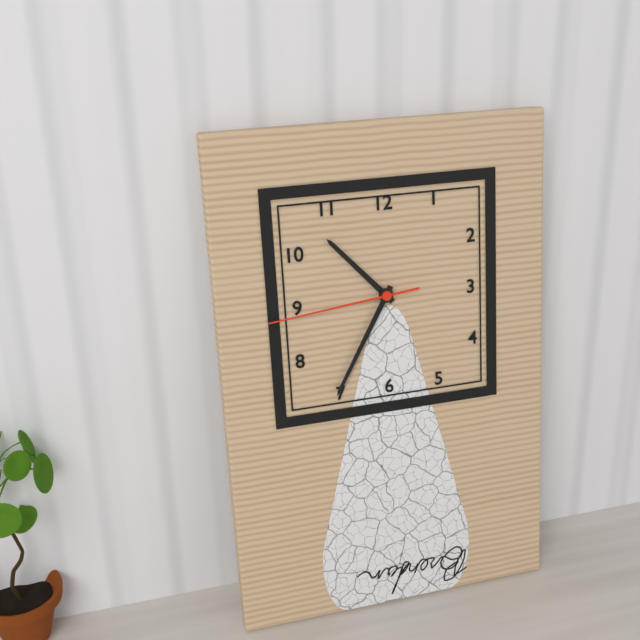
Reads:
h=10 m=35 s=44
